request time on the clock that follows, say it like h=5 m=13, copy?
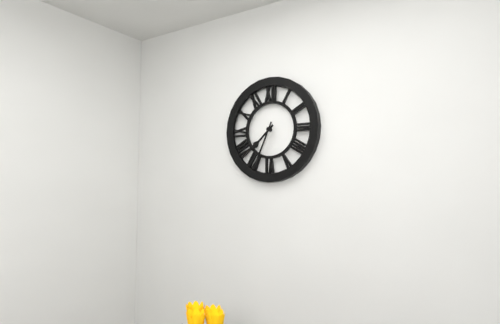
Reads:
h=7 m=34
